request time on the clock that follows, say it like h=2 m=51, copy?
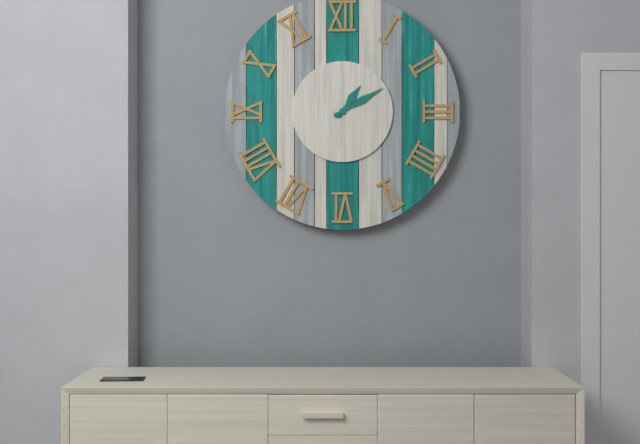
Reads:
h=1 m=10
